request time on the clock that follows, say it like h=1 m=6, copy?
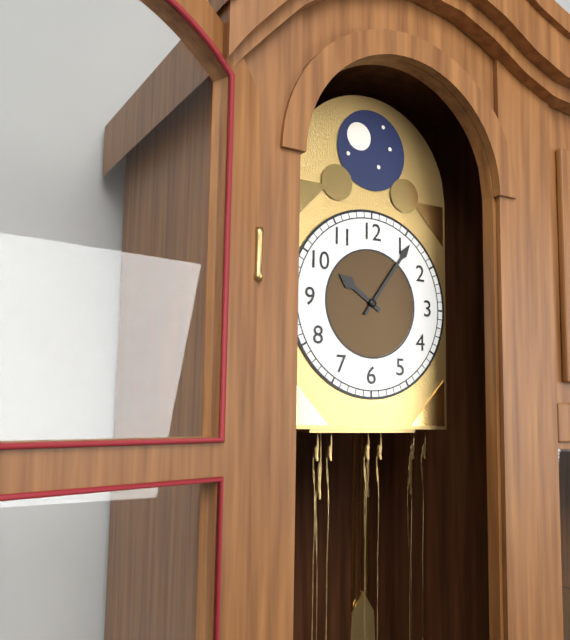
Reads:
h=10 m=6
